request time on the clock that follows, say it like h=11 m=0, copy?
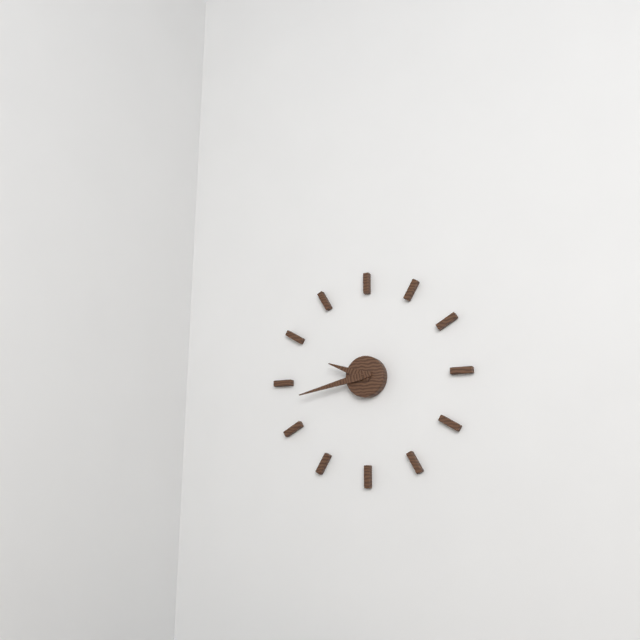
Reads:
h=9 m=43
